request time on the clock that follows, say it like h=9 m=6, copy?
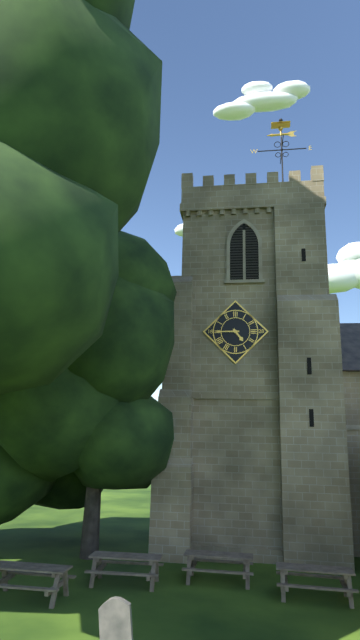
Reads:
h=4 m=45
